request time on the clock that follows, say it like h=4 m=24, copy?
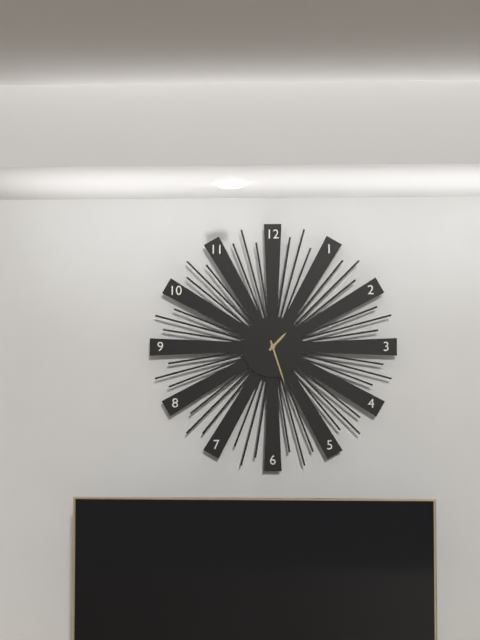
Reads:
h=1 m=27
